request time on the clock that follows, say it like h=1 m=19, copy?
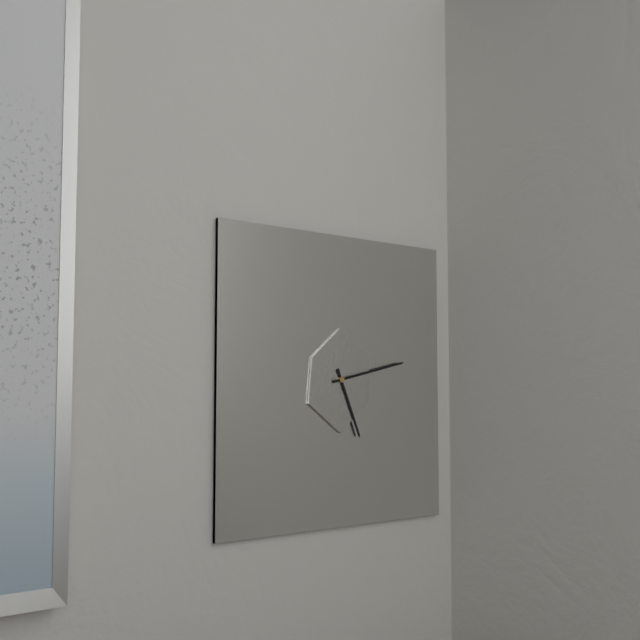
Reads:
h=5 m=13
